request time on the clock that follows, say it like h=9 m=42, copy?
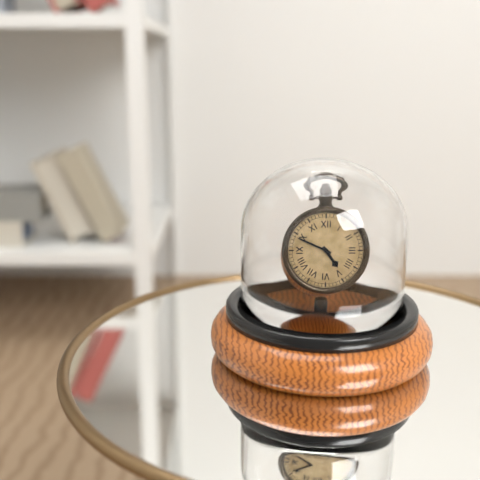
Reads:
h=4 m=49
